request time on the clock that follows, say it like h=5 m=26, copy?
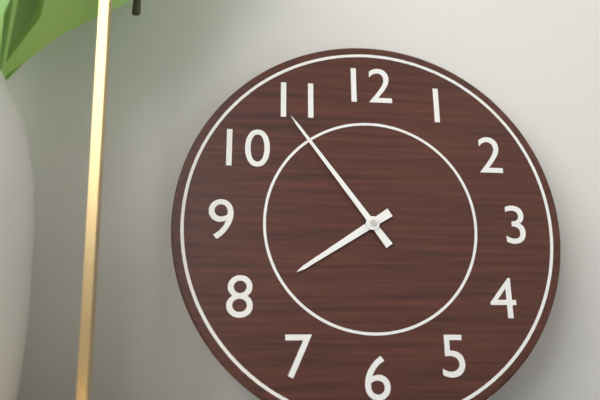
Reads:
h=7 m=54
